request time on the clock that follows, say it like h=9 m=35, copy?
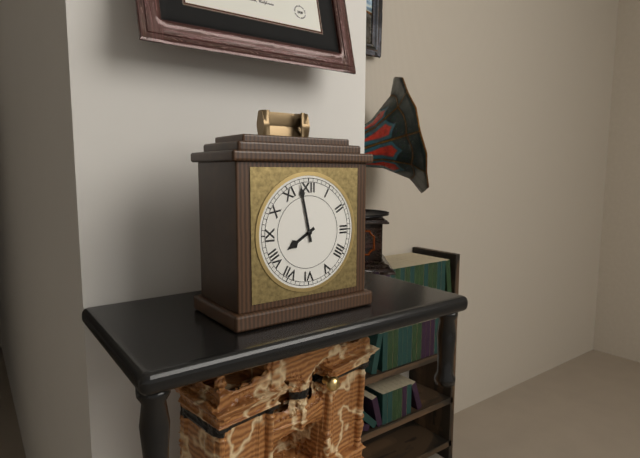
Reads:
h=7 m=58
